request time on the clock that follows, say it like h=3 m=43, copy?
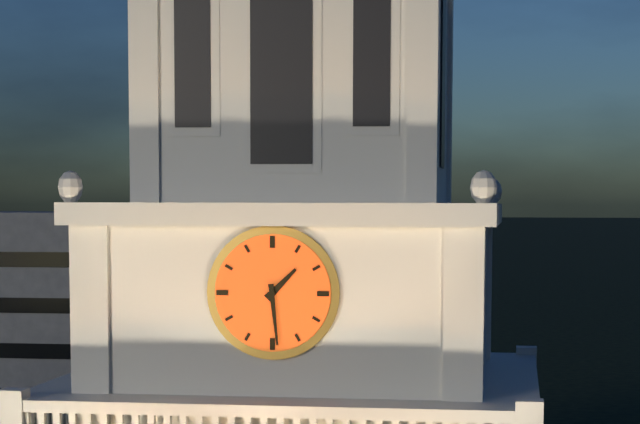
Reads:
h=1 m=29
